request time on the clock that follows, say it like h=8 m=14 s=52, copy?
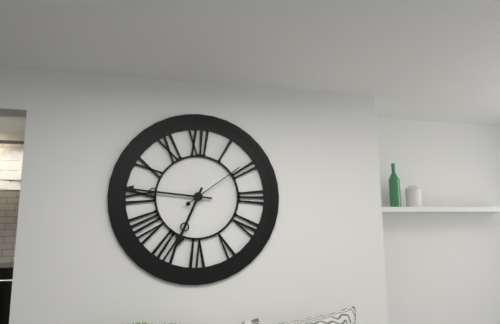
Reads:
h=6 m=46 s=9
